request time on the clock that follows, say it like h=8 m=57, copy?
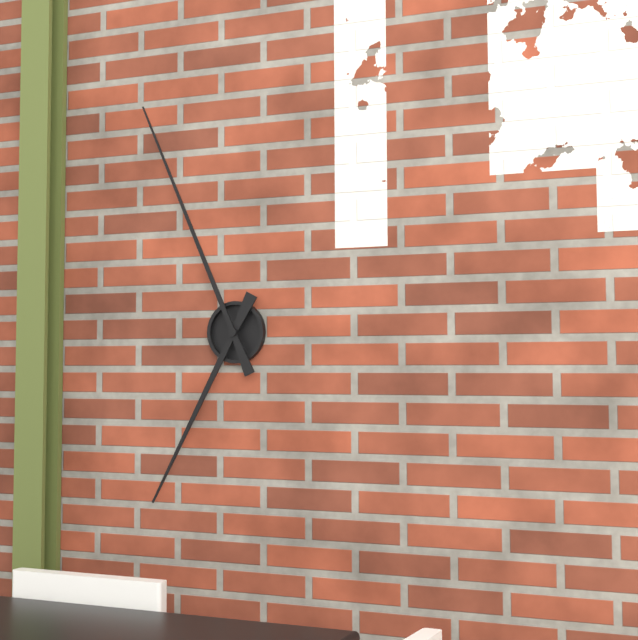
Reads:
h=6 m=56
